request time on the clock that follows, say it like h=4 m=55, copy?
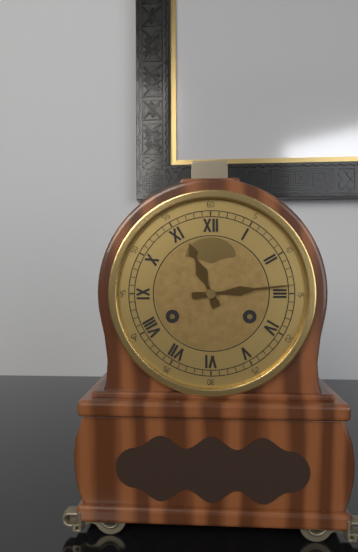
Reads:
h=11 m=14
